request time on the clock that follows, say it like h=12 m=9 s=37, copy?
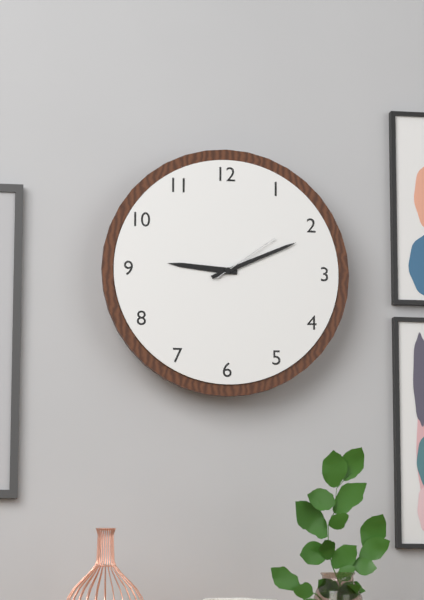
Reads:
h=9 m=11 s=9
